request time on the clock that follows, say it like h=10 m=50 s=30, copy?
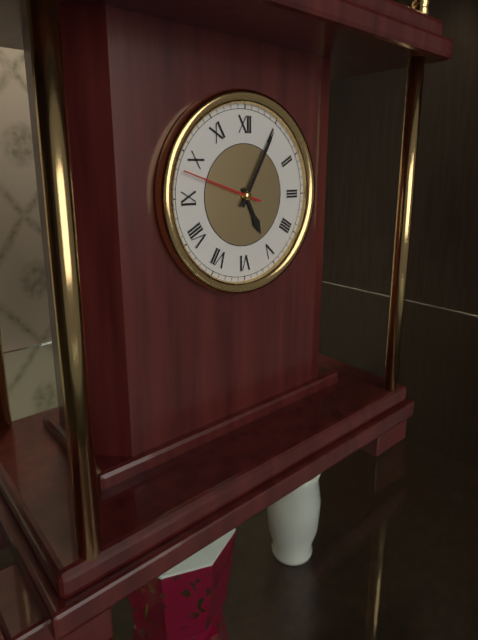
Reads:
h=5 m=5 s=48
